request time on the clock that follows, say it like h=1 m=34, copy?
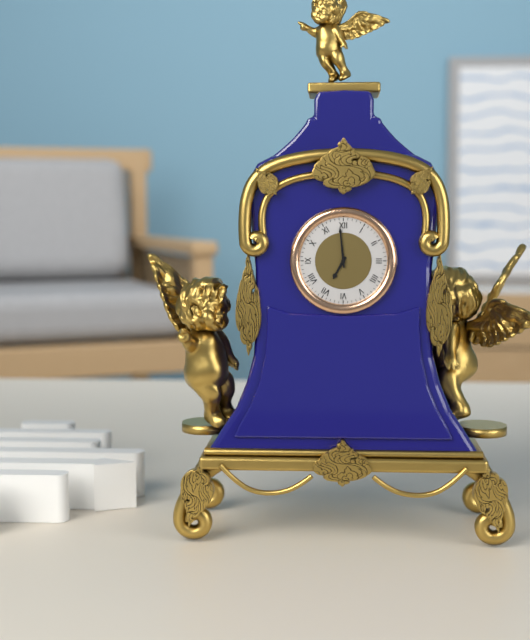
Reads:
h=6 m=59
